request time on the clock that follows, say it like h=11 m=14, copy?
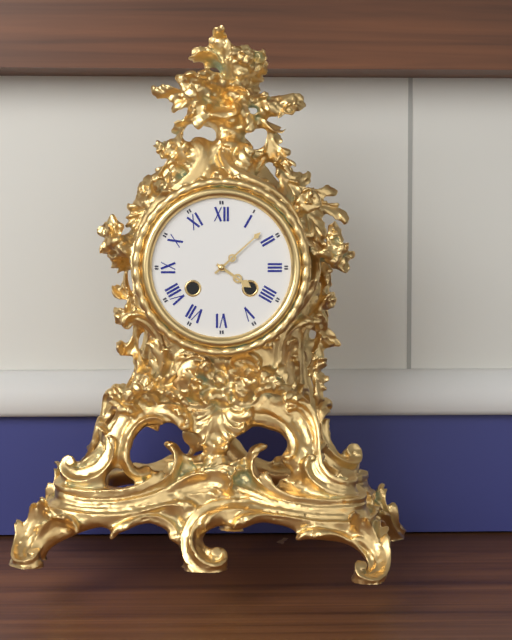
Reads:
h=4 m=8
